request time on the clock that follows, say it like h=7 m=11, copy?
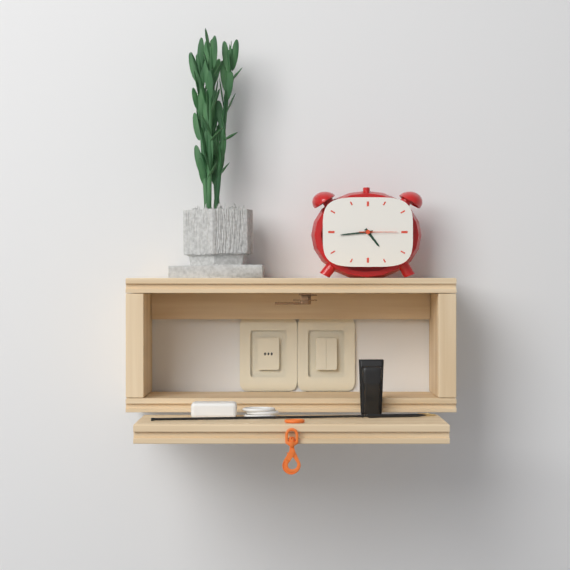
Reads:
h=4 m=44
